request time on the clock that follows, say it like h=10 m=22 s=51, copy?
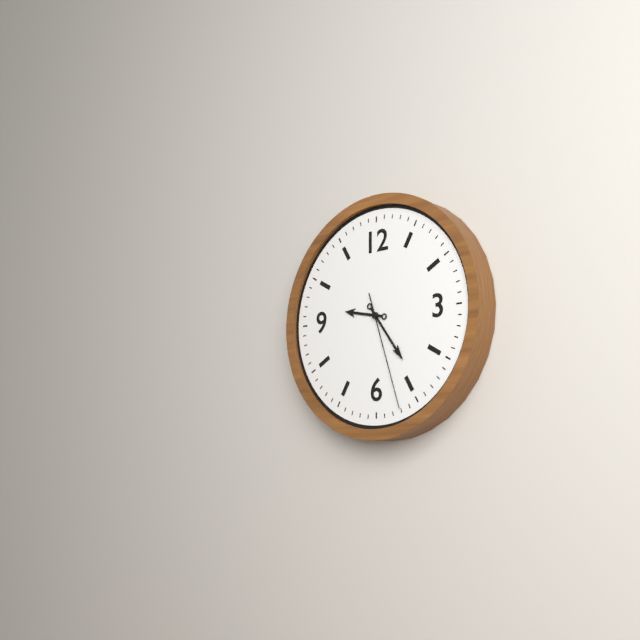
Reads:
h=9 m=24 s=27
